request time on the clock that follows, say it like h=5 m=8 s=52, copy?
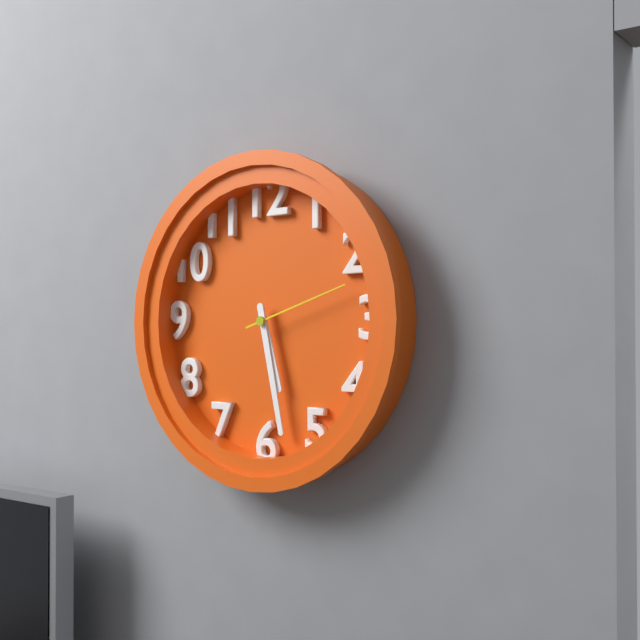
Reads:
h=5 m=28 s=12
